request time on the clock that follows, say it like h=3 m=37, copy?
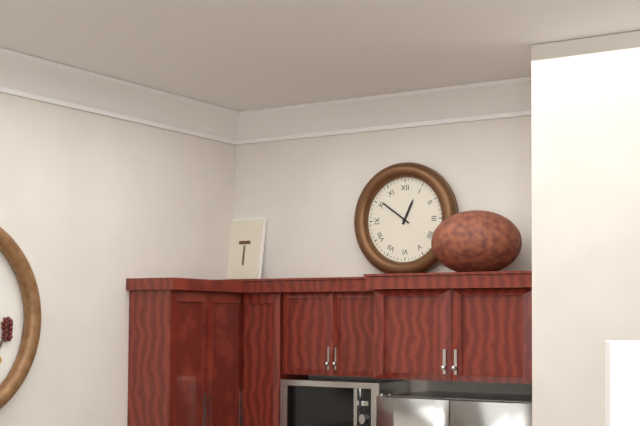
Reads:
h=12 m=51
